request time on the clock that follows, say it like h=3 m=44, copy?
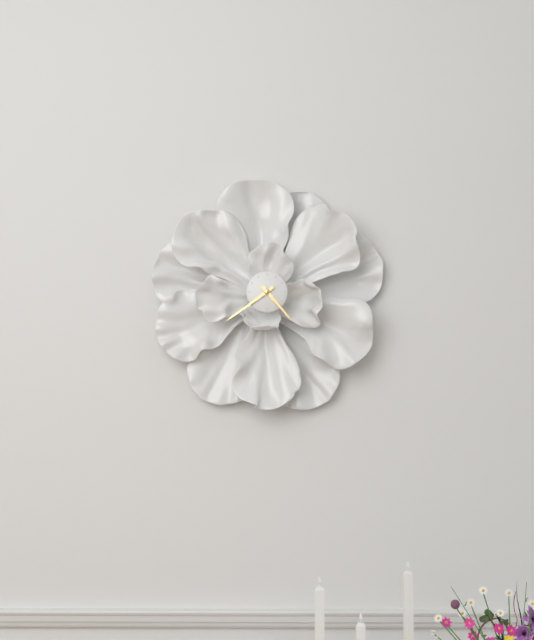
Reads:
h=4 m=39
